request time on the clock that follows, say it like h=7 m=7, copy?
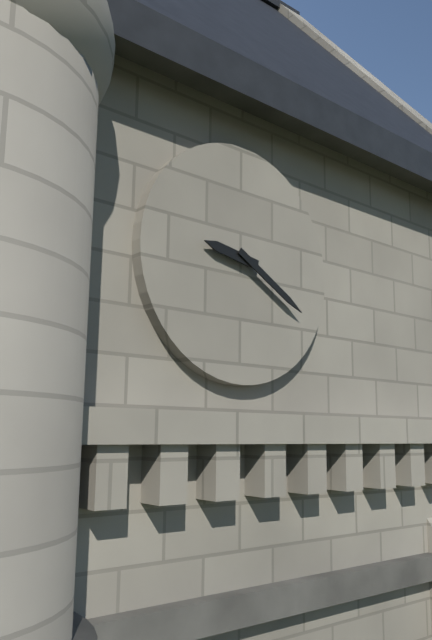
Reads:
h=9 m=20
